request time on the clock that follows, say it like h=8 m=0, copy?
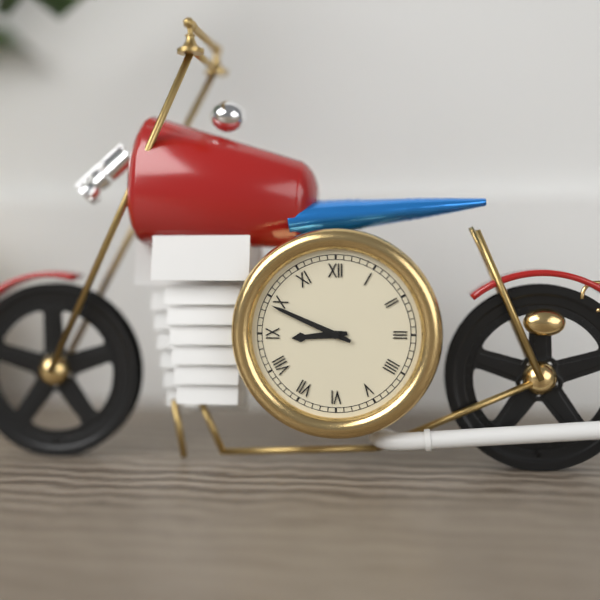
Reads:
h=8 m=49
